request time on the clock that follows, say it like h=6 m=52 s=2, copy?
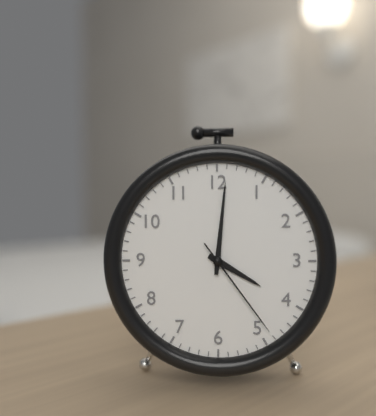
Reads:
h=4 m=1 s=24
